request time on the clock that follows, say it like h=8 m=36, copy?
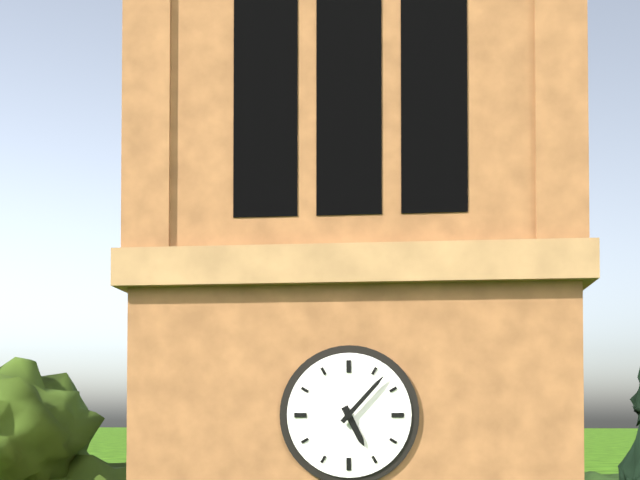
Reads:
h=5 m=7
